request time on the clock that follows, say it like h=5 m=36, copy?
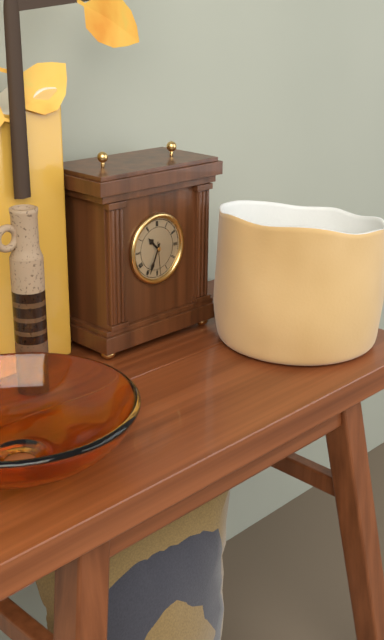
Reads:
h=10 m=34
